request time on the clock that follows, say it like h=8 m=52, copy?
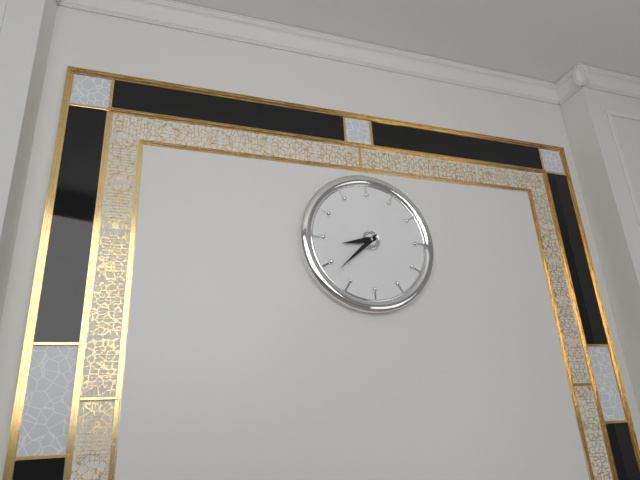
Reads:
h=8 m=38
